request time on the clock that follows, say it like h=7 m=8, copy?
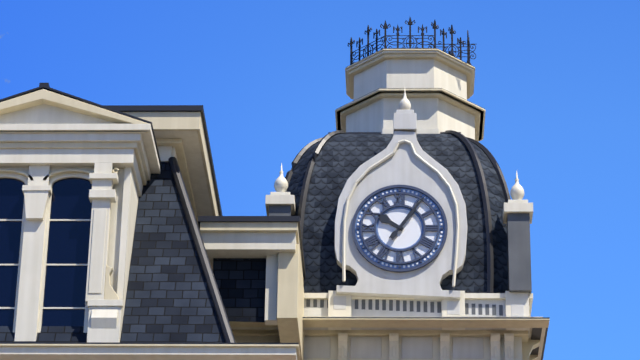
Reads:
h=10 m=6
